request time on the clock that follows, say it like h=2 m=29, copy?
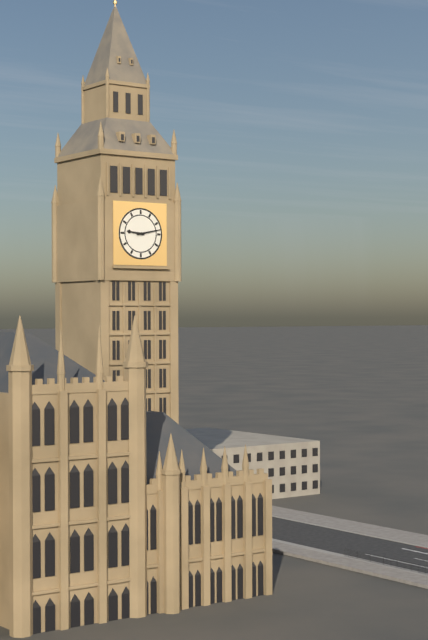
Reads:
h=9 m=13
